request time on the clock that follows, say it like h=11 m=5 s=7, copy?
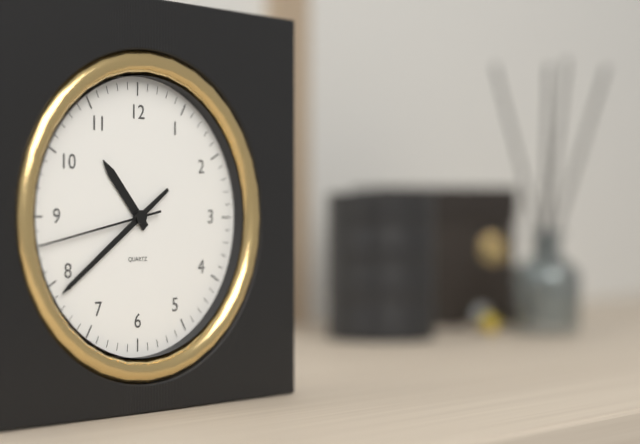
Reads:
h=10 m=39 s=43
